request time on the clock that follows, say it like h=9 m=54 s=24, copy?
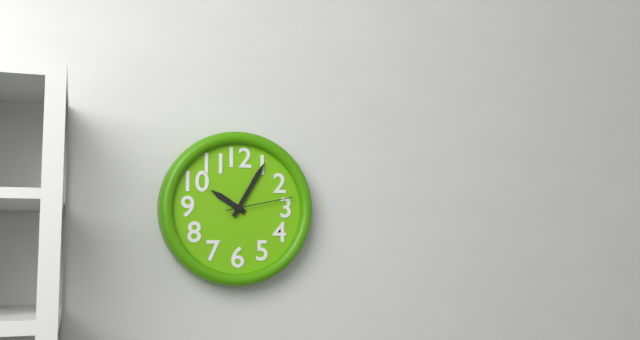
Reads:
h=10 m=5 s=13
